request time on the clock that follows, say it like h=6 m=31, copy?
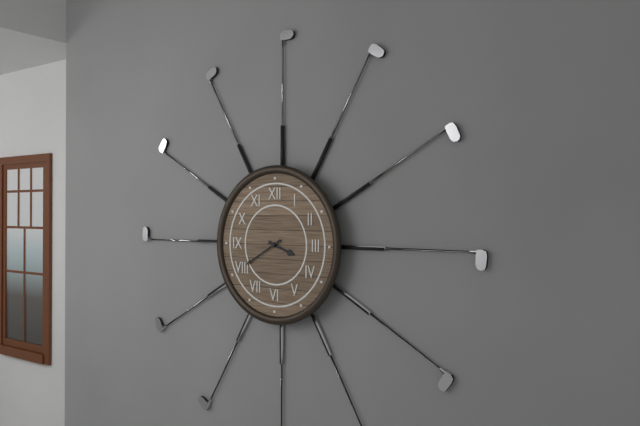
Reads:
h=3 m=40
